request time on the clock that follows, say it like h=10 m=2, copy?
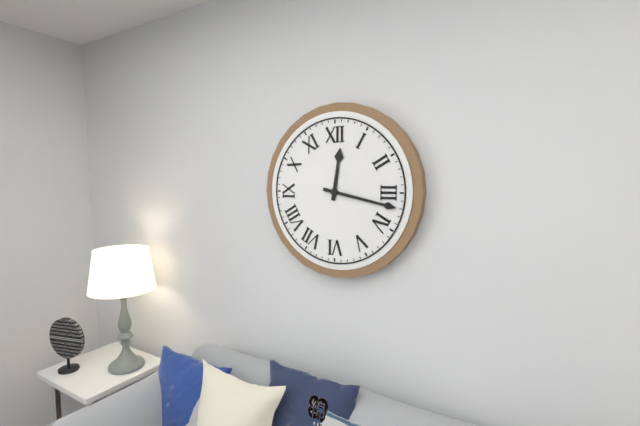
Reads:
h=12 m=17
